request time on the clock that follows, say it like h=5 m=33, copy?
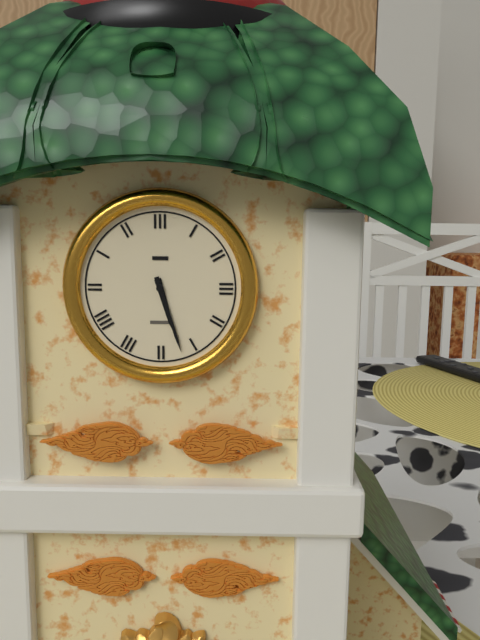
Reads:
h=5 m=27
